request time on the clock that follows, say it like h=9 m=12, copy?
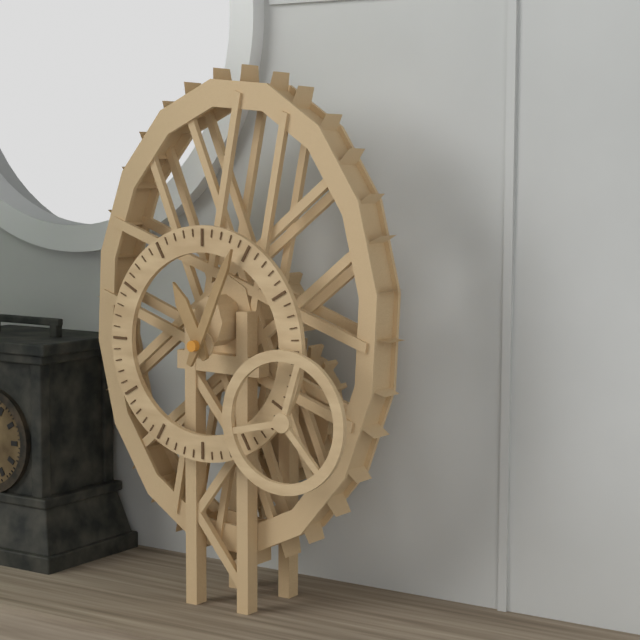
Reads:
h=11 m=4
